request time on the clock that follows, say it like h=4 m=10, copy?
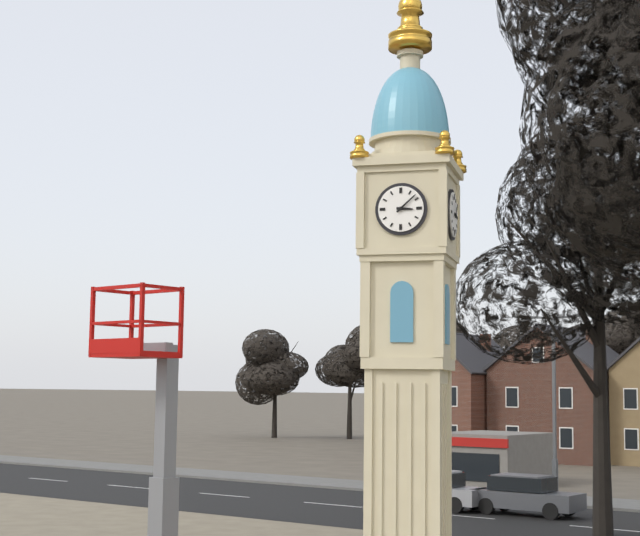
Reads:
h=3 m=8
